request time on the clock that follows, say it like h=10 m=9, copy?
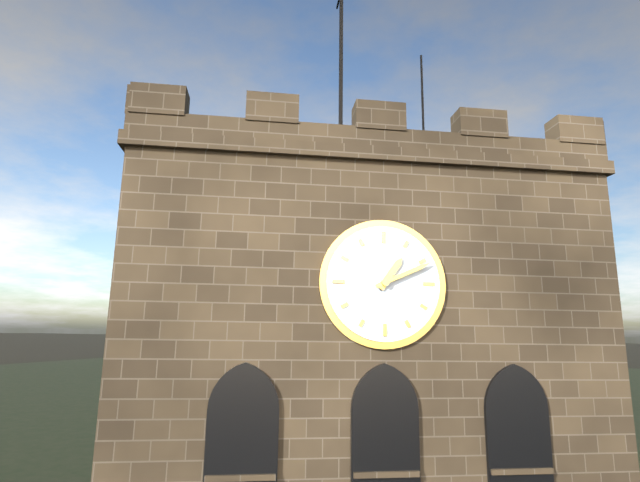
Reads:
h=1 m=11
